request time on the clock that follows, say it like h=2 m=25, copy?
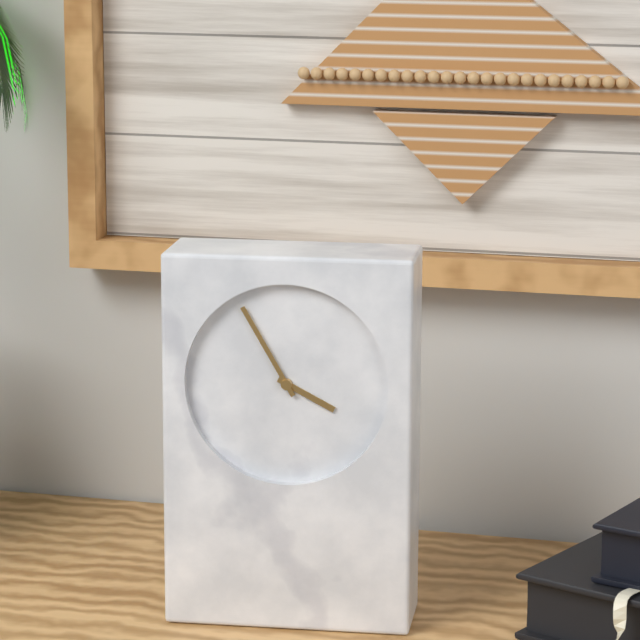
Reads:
h=3 m=55
